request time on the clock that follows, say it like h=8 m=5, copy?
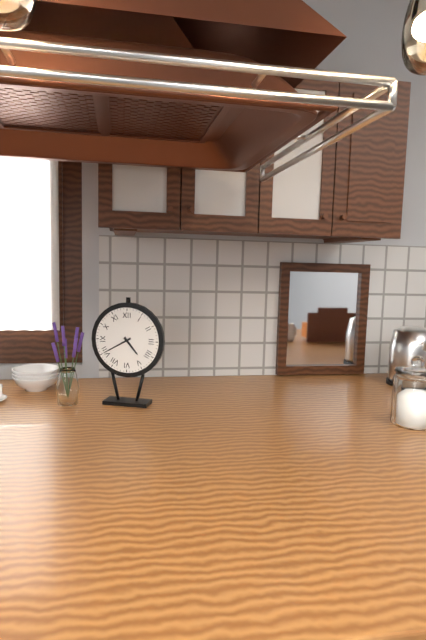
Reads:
h=4 m=40
